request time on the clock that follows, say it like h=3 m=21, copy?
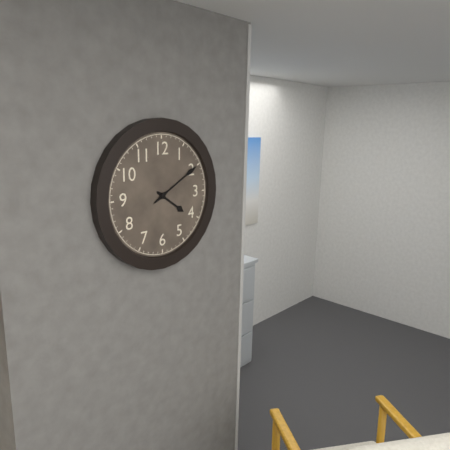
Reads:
h=4 m=10
